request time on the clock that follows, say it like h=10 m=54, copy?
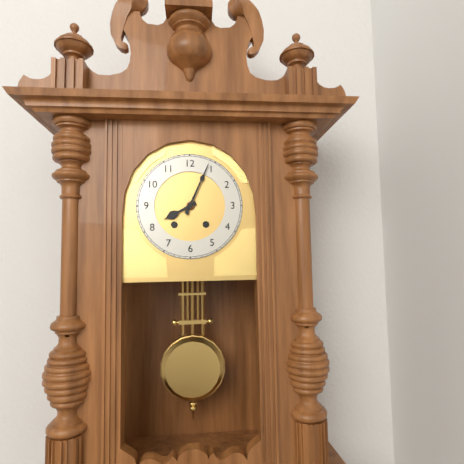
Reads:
h=8 m=4
